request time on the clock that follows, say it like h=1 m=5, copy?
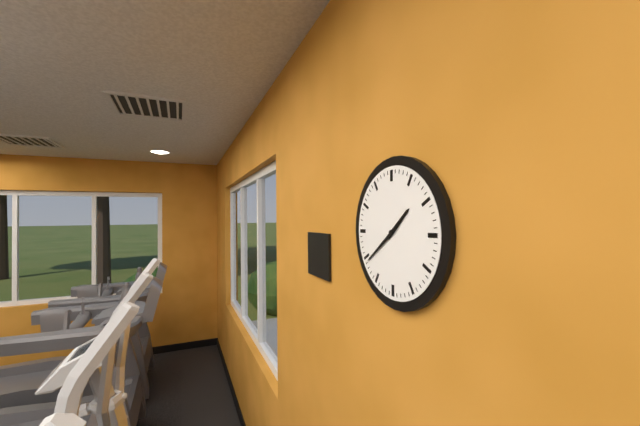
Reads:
h=1 m=39
